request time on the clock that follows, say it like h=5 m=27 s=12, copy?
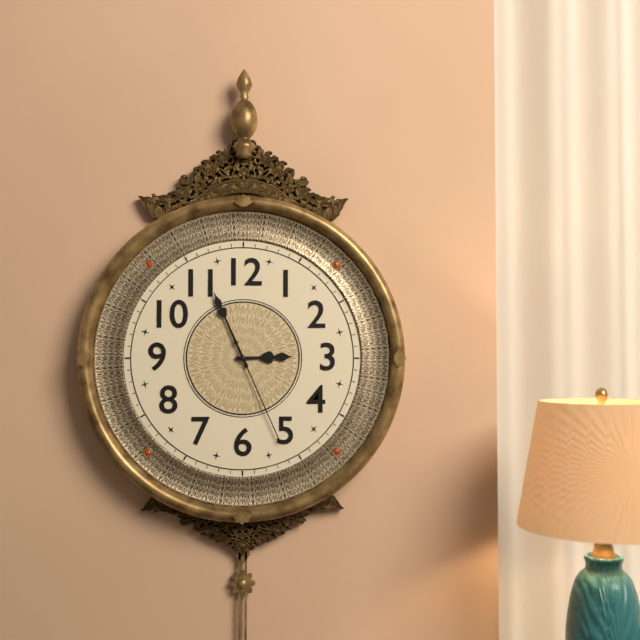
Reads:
h=2 m=56 s=26
